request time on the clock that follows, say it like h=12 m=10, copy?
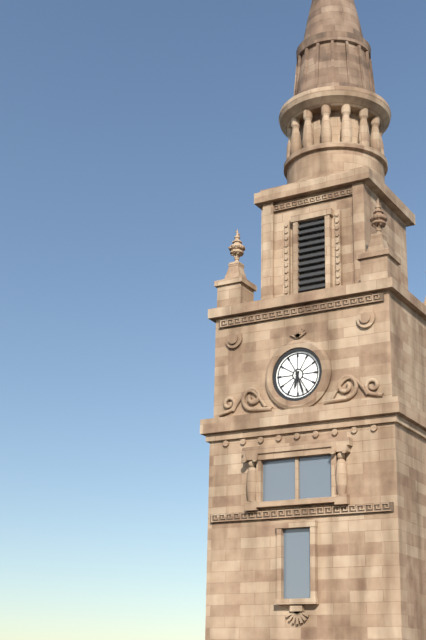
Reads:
h=6 m=27
